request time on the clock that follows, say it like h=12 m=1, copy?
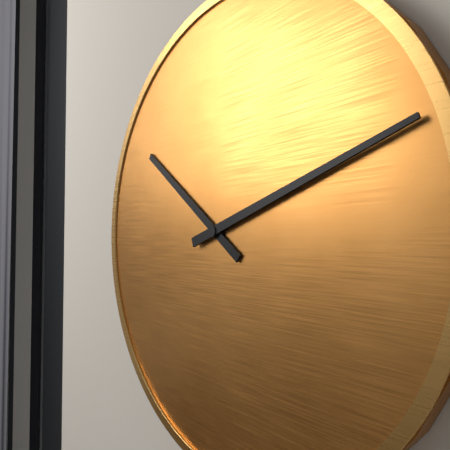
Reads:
h=10 m=12
